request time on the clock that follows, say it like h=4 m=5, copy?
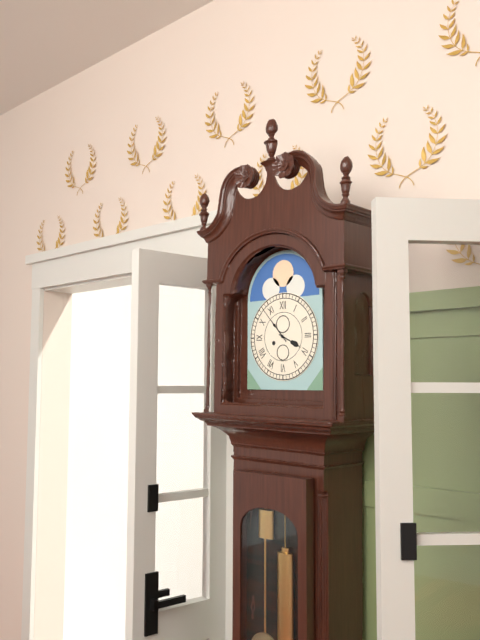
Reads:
h=3 m=53
